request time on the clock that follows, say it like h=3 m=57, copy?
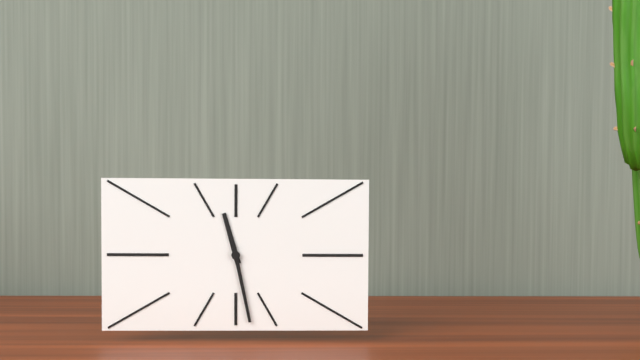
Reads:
h=11 m=28
